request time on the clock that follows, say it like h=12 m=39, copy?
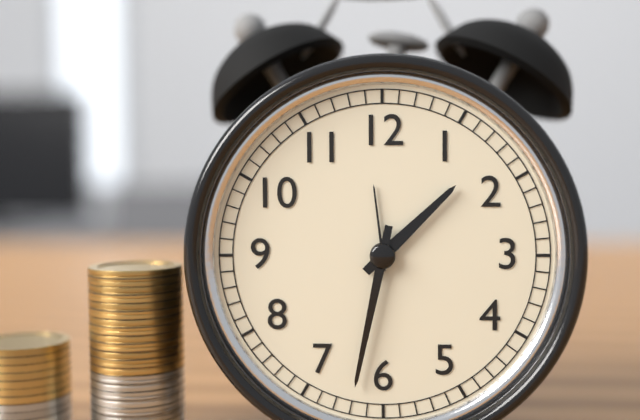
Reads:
h=1 m=32
